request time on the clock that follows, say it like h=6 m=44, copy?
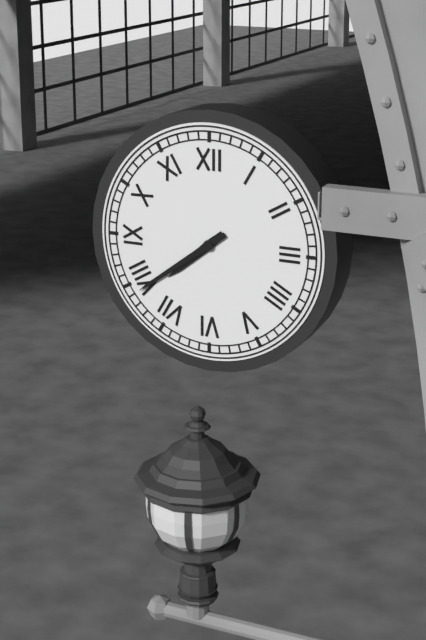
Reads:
h=7 m=39
